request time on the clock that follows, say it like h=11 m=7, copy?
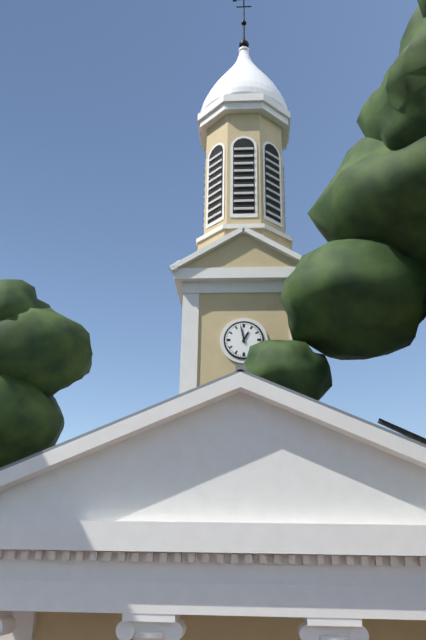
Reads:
h=12 m=58
